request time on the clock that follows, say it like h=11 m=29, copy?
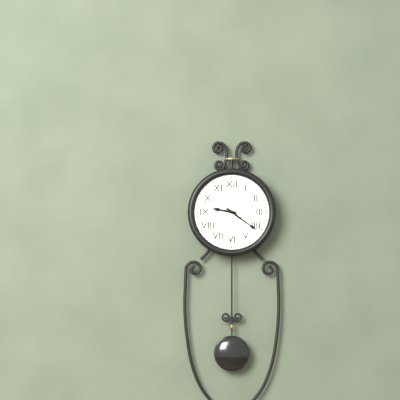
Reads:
h=9 m=21
